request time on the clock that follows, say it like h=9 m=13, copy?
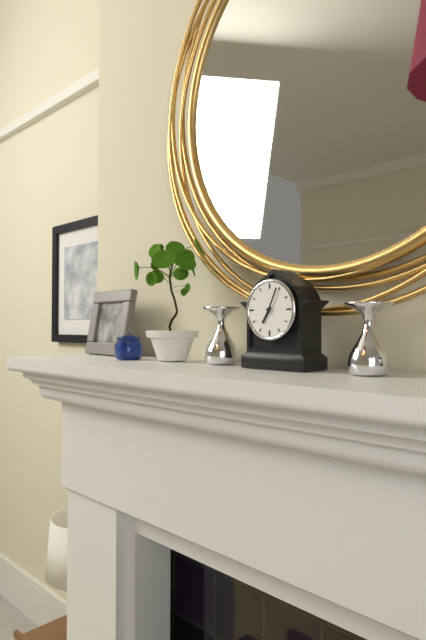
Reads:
h=7 m=4
